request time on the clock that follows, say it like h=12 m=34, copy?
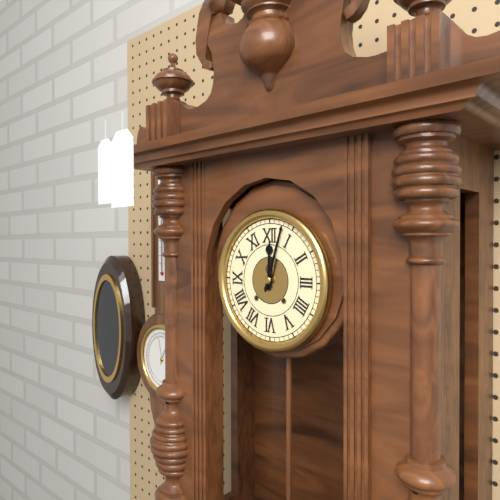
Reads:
h=12 m=3
